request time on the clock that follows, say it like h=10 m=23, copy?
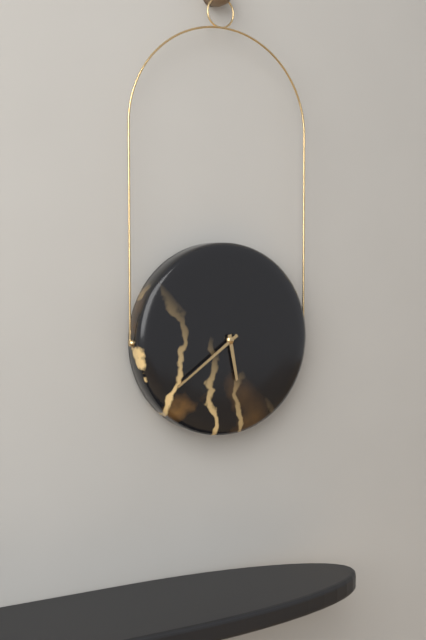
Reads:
h=5 m=39
